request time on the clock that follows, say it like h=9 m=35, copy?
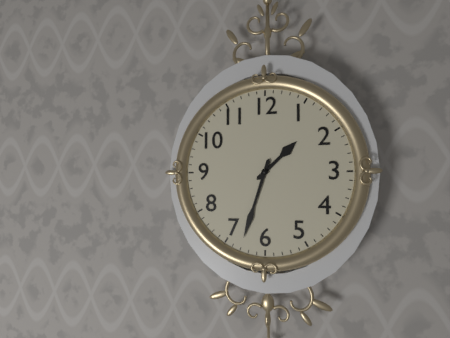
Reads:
h=1 m=33
